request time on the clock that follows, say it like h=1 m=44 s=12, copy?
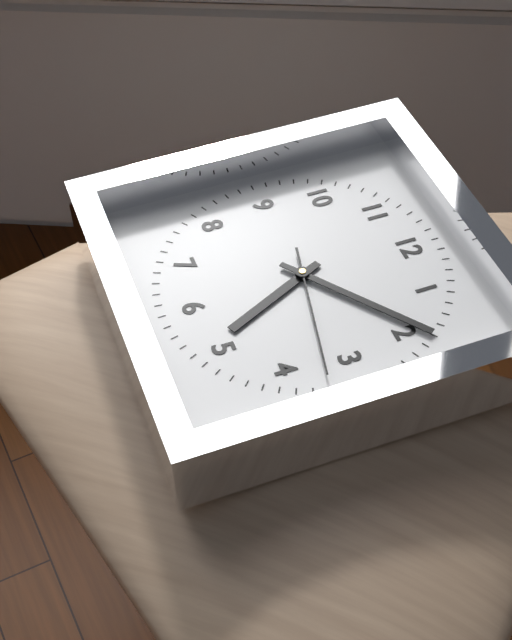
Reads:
h=5 m=9 s=17
